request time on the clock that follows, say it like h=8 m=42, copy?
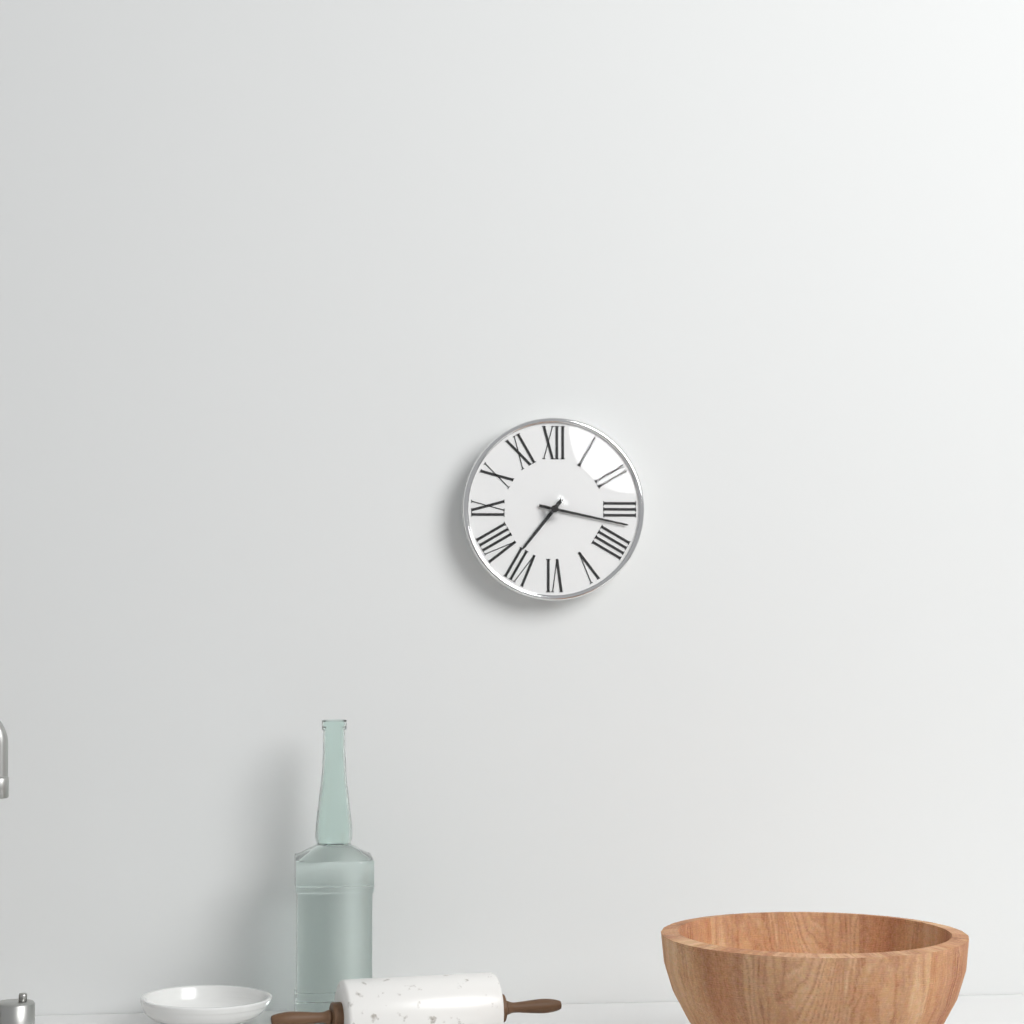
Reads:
h=7 m=17
